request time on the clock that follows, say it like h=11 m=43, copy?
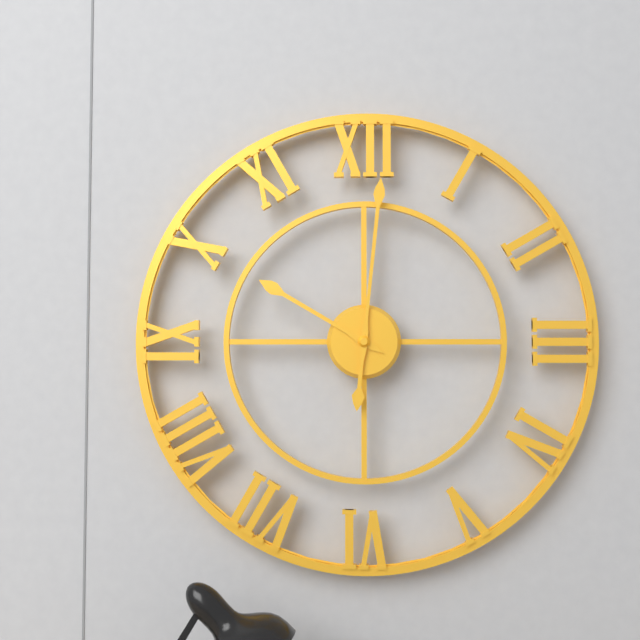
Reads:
h=10 m=1
